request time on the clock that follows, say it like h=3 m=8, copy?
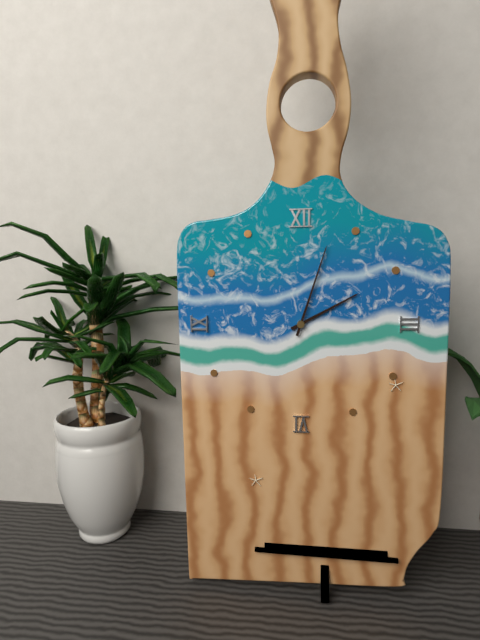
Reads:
h=2 m=3
